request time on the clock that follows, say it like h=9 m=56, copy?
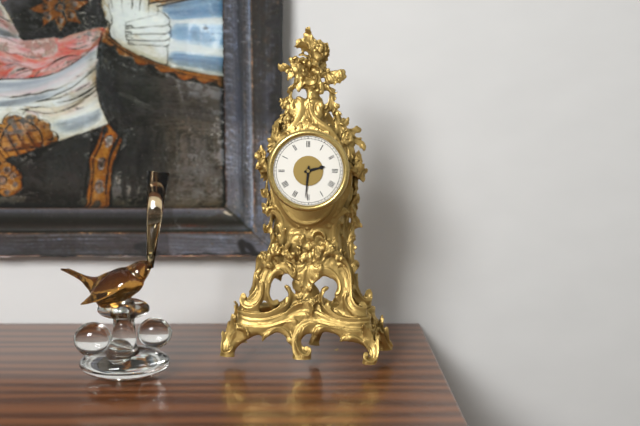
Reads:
h=2 m=31
